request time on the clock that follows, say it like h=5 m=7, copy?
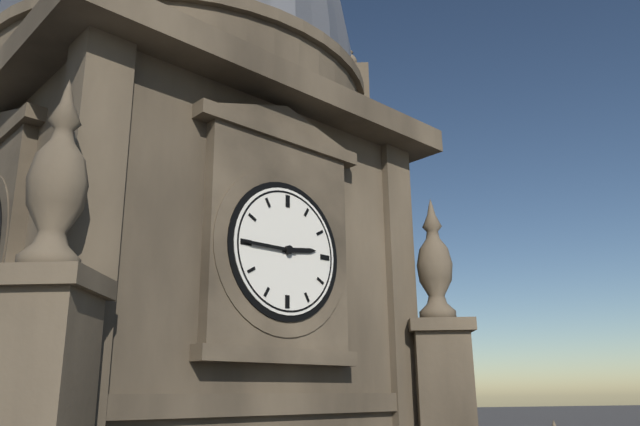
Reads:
h=2 m=45
